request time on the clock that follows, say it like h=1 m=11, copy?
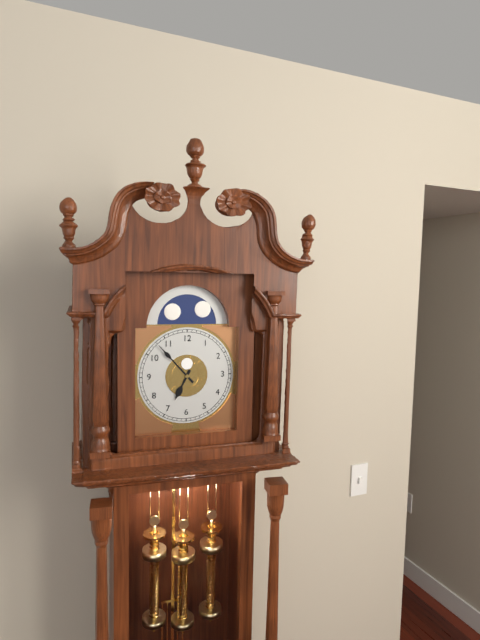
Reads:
h=6 m=53
